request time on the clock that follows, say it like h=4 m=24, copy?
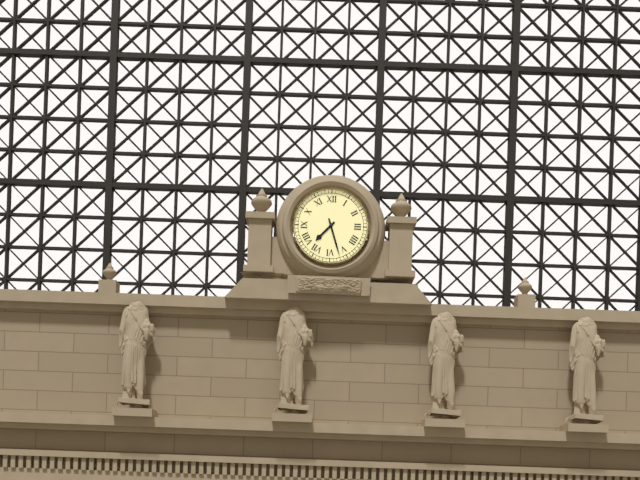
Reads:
h=7 m=27
